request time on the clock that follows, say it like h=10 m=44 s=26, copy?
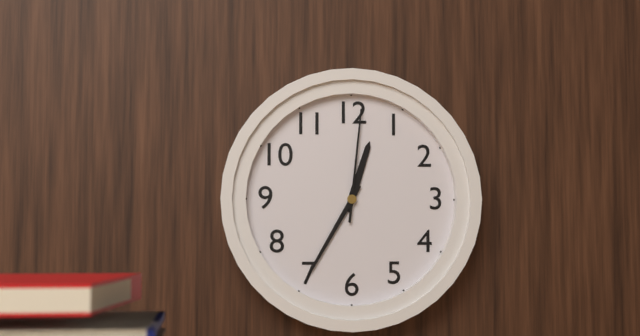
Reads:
h=12 m=35 s=1
